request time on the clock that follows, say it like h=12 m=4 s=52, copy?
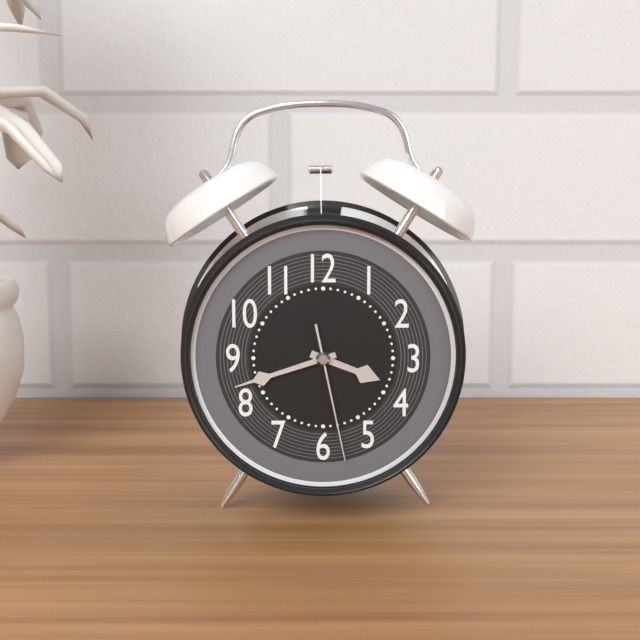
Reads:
h=3 m=42 s=28
